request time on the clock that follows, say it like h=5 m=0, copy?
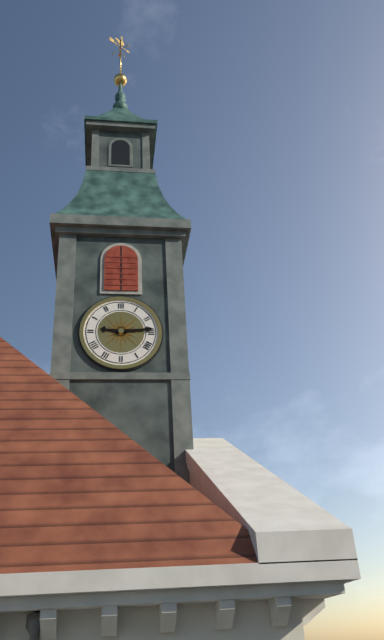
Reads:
h=9 m=14
